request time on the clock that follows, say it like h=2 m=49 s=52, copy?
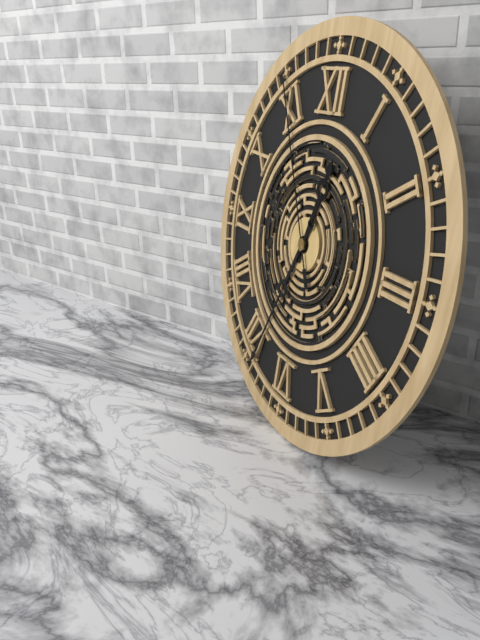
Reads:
h=12 m=34 s=55
